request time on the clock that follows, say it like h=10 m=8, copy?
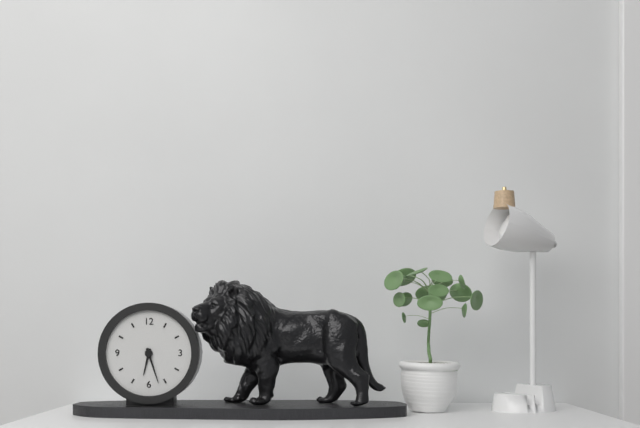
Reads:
h=6 m=27
